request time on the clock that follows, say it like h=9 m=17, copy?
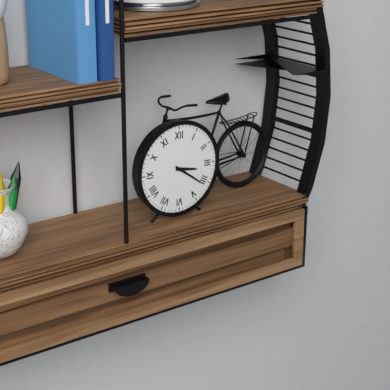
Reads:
h=3 m=21
